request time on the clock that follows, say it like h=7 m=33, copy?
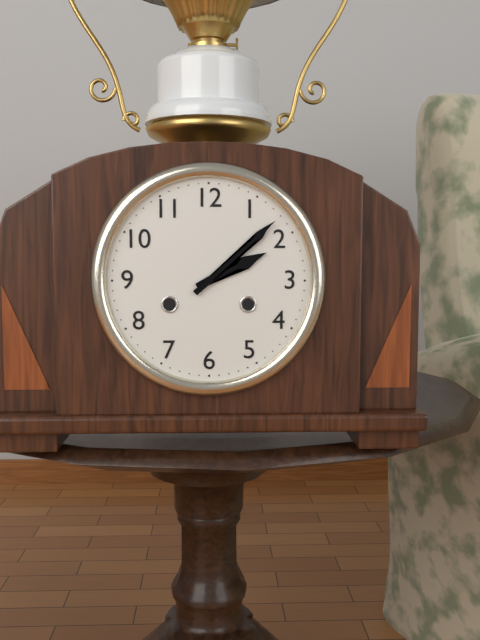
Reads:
h=2 m=8
